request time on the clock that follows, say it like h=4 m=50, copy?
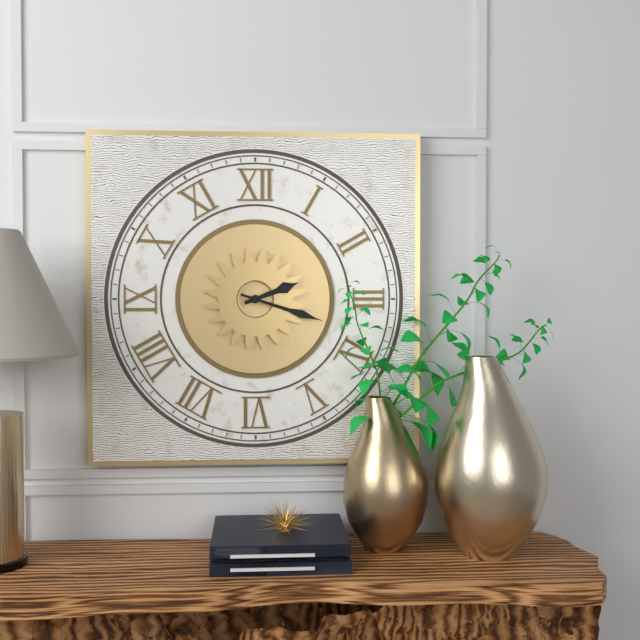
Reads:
h=2 m=18
